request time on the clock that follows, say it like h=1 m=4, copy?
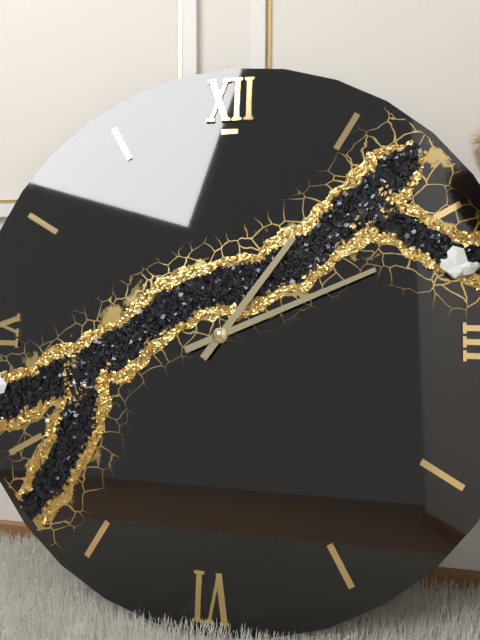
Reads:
h=1 m=11
